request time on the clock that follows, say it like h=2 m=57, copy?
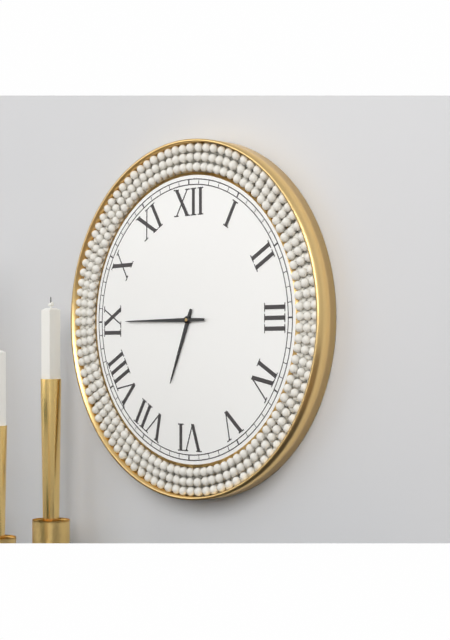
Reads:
h=6 m=45
